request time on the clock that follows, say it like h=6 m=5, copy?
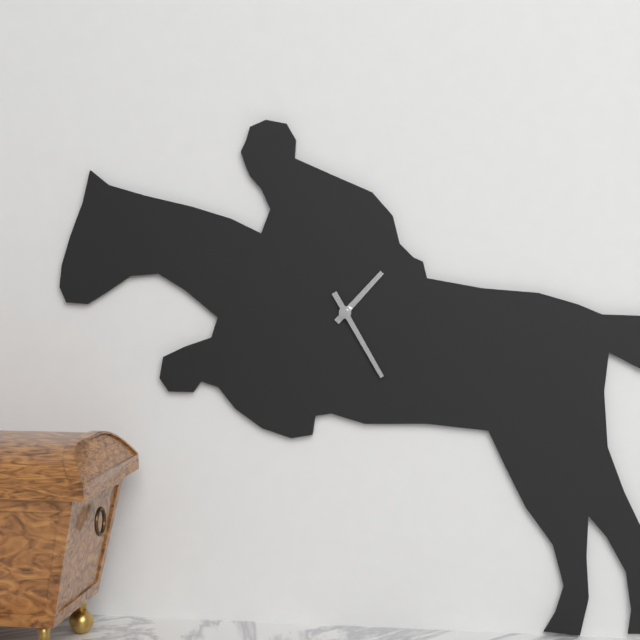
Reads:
h=1 m=25
